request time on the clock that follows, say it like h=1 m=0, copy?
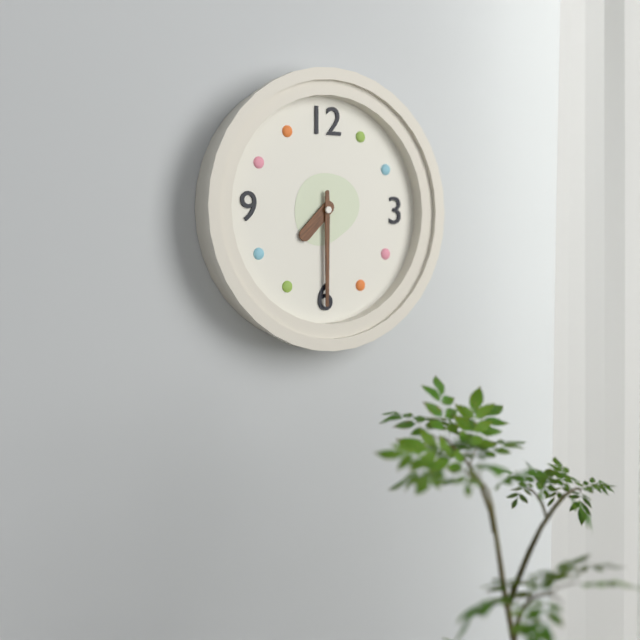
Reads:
h=7 m=30
